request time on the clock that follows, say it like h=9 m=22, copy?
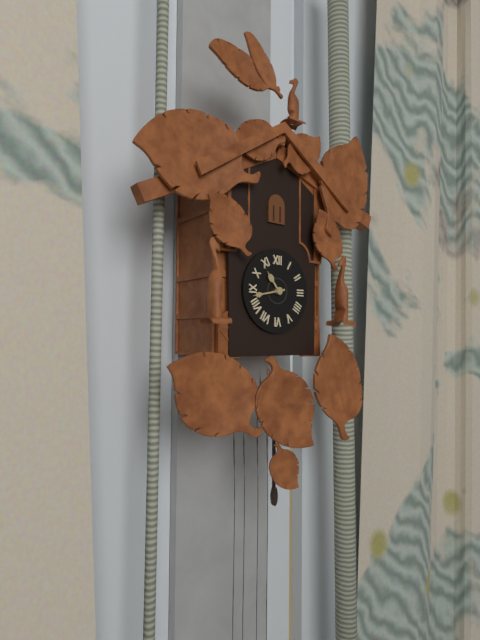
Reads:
h=10 m=43
